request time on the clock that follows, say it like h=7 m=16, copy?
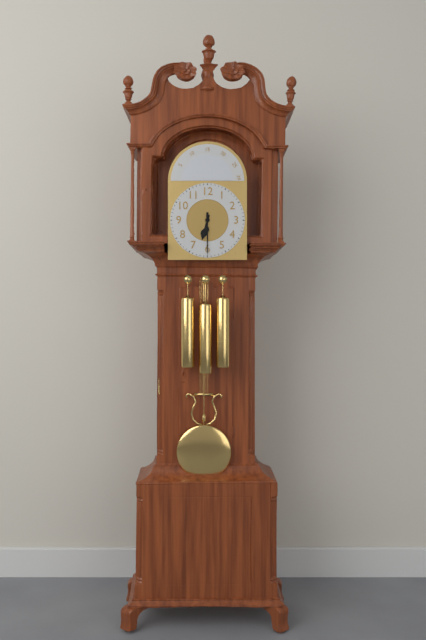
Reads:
h=6 m=30
